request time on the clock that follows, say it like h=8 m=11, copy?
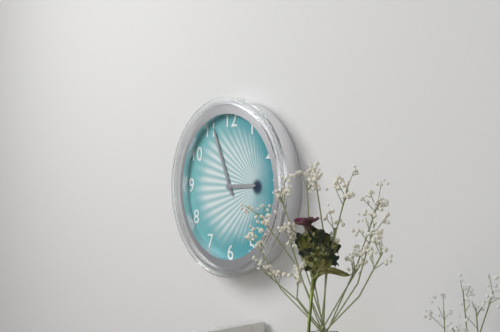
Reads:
h=2 m=56
